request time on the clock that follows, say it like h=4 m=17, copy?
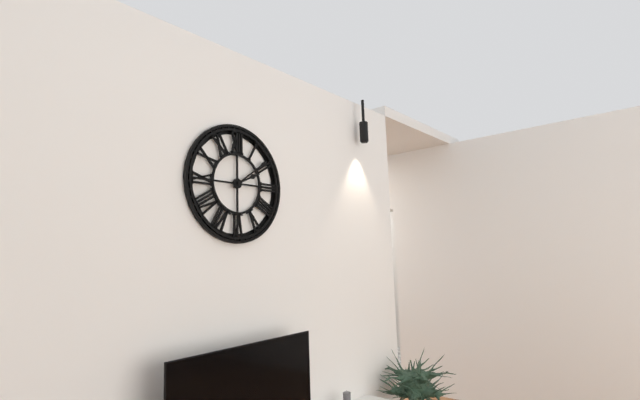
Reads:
h=2 m=9
